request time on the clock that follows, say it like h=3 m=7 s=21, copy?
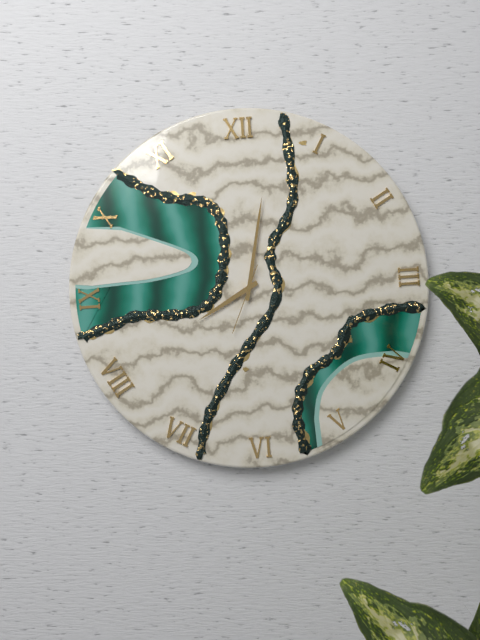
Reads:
h=8 m=2 s=34
